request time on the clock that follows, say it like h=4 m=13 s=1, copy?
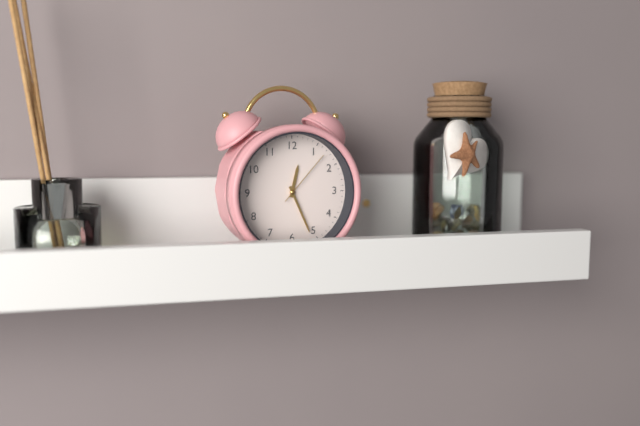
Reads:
h=12 m=26 s=7
